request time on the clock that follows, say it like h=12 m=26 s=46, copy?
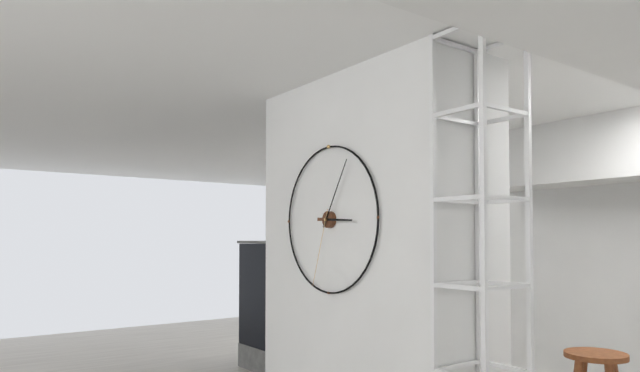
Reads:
h=3 m=5 s=33
